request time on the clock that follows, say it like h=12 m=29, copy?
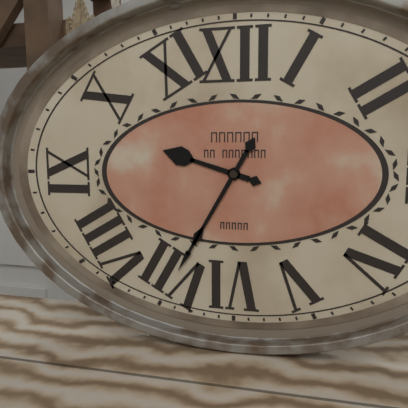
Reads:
h=9 m=35
